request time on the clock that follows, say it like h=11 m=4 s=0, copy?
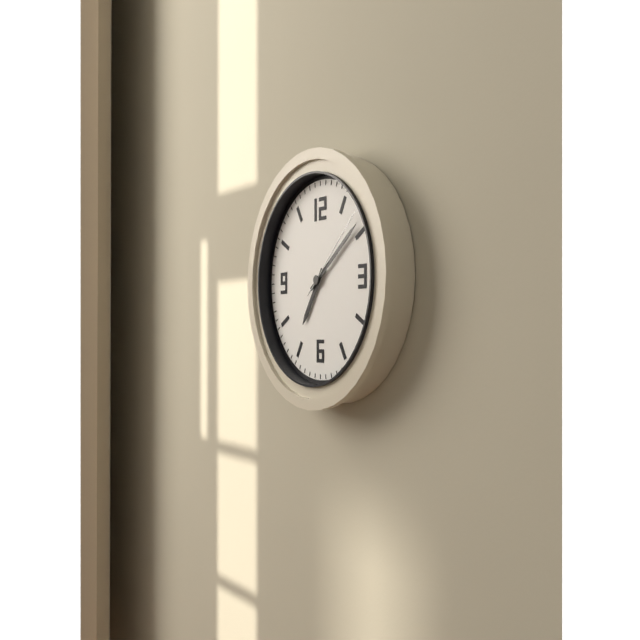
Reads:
h=7 m=9 s=8
